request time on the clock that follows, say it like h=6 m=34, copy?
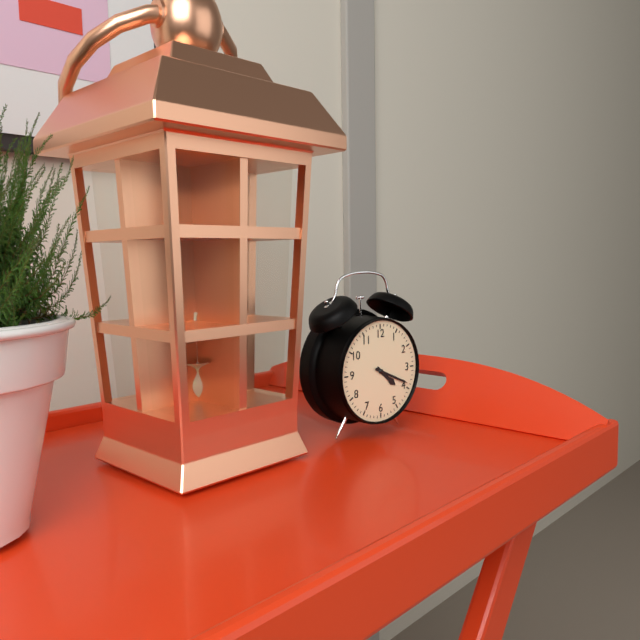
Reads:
h=4 m=19
